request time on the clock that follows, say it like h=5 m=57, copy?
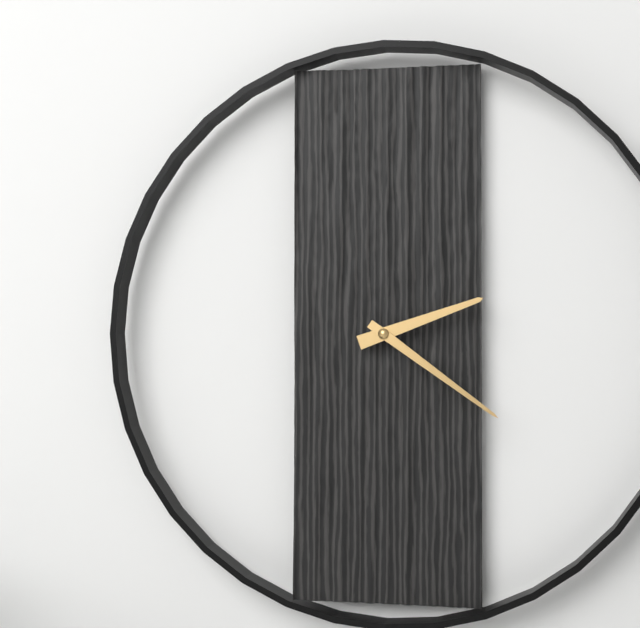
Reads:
h=2 m=21
